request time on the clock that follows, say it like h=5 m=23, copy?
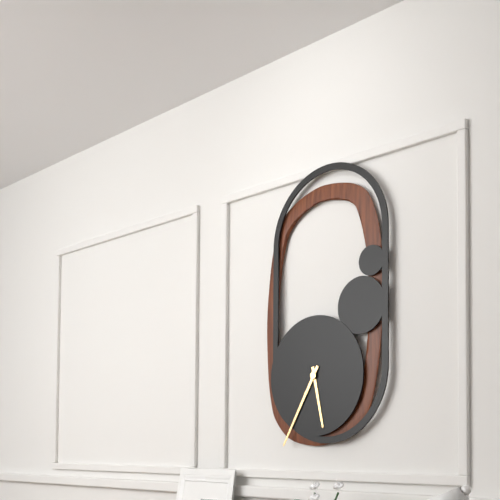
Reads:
h=5 m=35
